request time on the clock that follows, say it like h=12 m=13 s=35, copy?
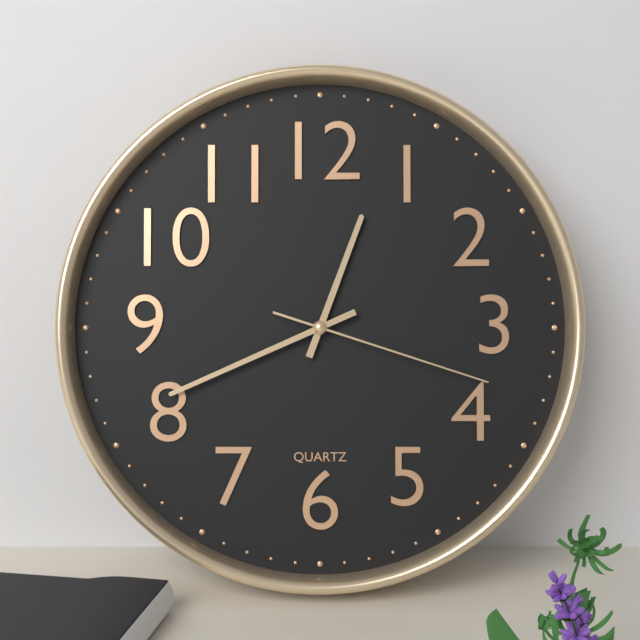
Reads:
h=12 m=41 s=18
